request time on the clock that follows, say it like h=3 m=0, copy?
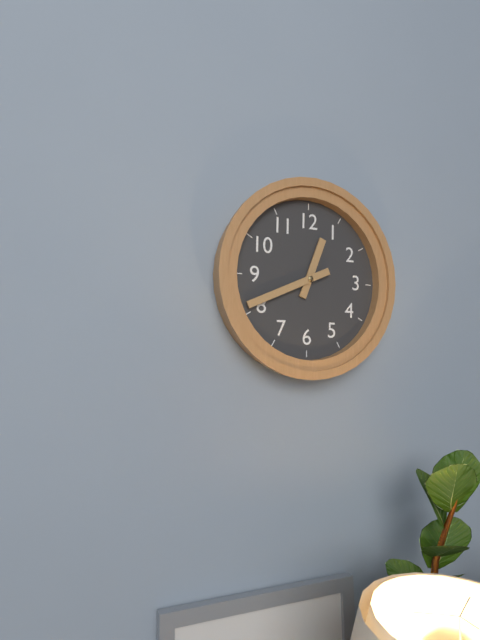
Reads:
h=12 m=41
